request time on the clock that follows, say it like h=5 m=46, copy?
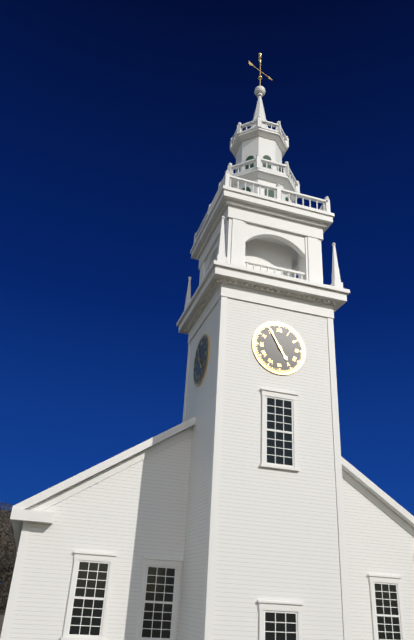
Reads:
h=4 m=55
